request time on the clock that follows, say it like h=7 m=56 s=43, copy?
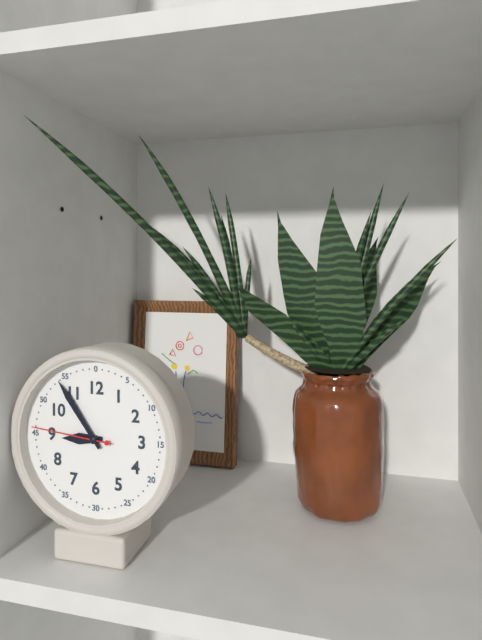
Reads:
h=8 m=54 s=46
